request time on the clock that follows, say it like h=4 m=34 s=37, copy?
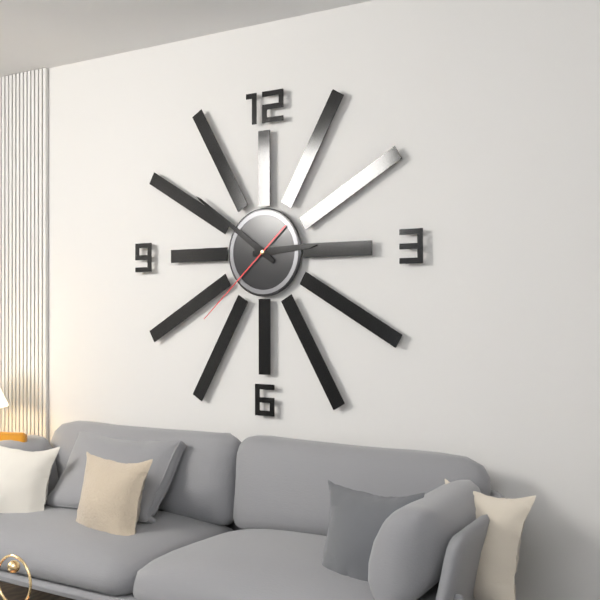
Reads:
h=2 m=51 s=38
